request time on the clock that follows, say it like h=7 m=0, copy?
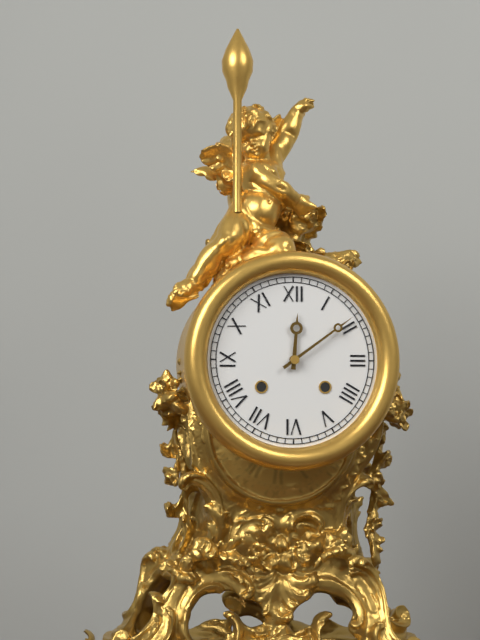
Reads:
h=12 m=9
